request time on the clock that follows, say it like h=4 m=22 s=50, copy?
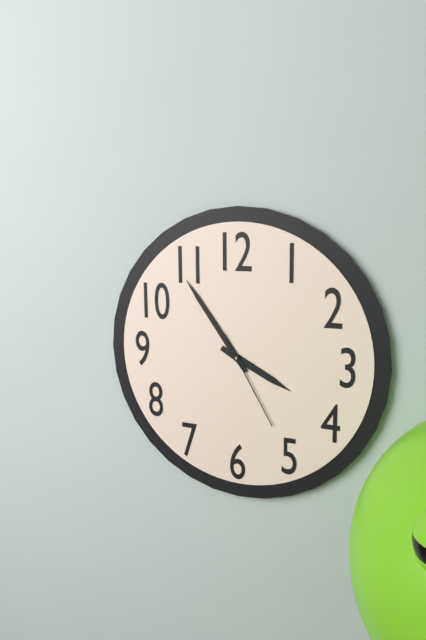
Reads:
h=3 m=54 s=25
